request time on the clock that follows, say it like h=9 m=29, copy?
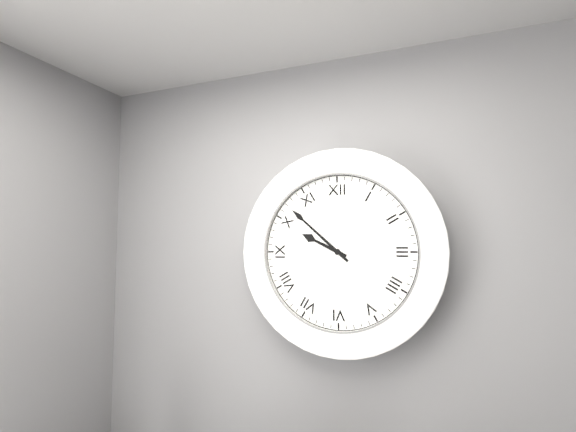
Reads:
h=9 m=52
